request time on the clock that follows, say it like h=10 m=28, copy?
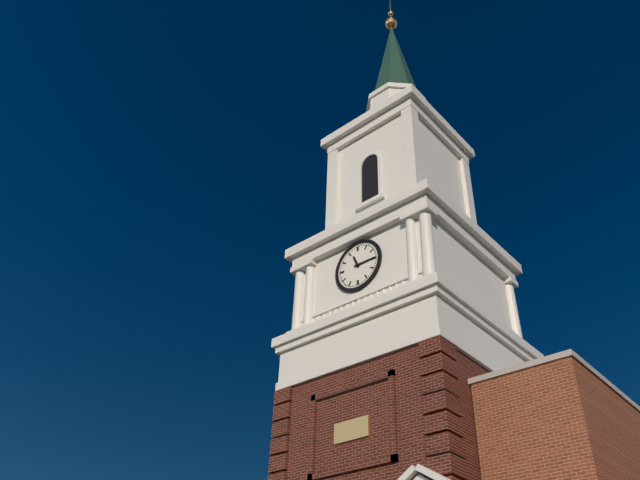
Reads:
h=11 m=15
